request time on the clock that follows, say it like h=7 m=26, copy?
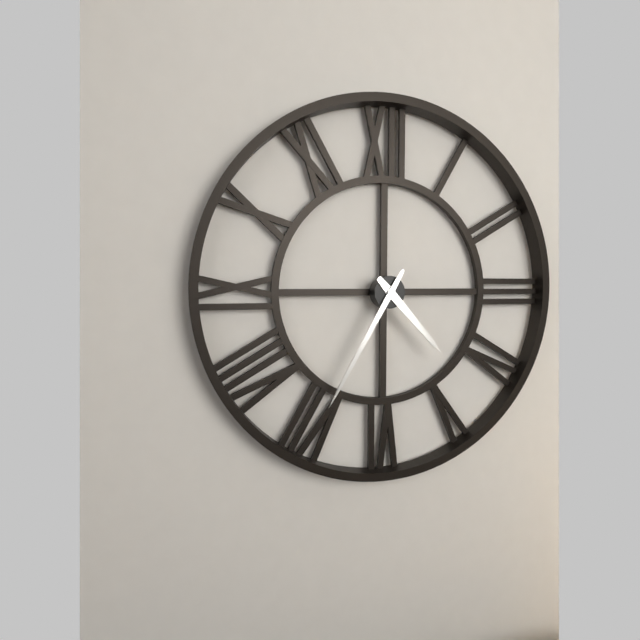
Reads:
h=4 m=35
